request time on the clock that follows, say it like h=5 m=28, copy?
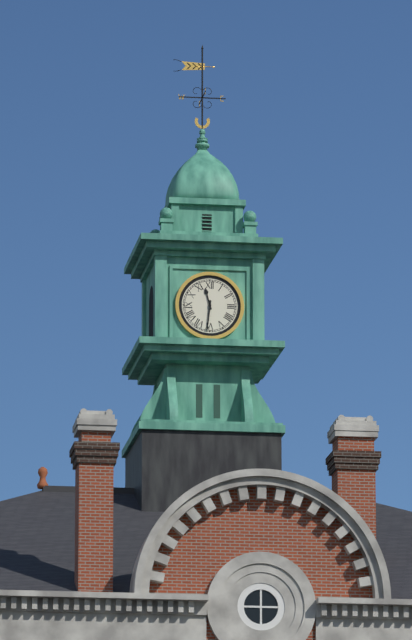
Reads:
h=11 m=31
